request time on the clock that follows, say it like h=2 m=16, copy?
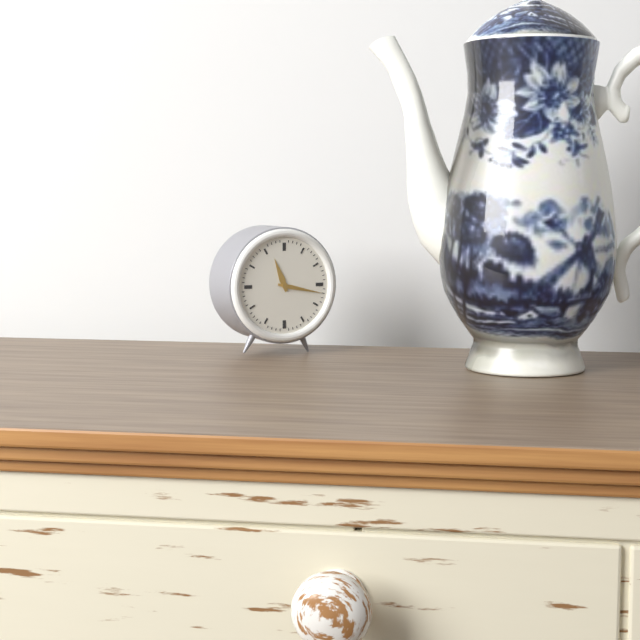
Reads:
h=11 m=17
